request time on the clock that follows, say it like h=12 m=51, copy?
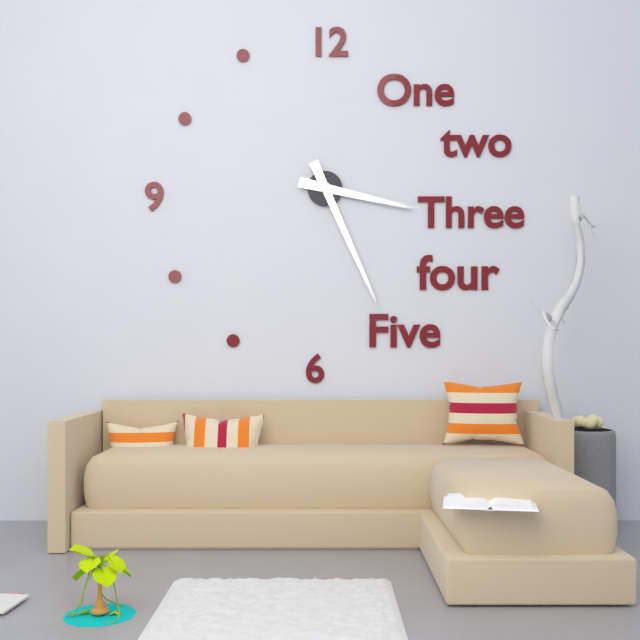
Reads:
h=3 m=26
